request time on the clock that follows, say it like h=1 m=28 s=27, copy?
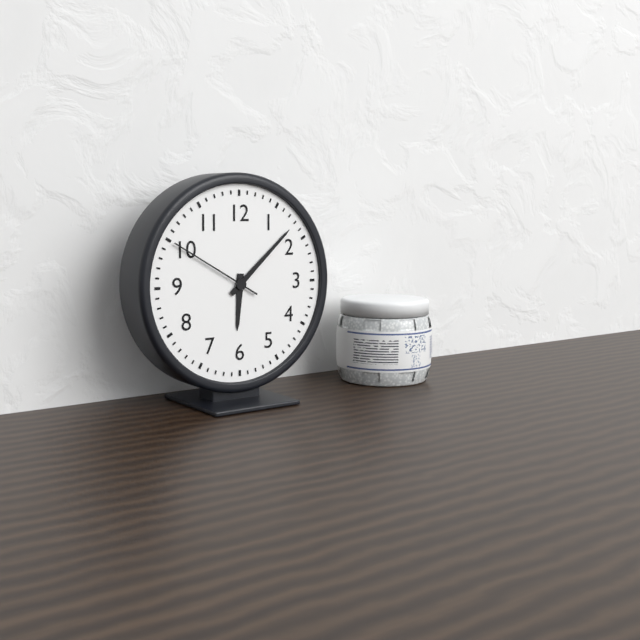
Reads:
h=6 m=8 s=50
